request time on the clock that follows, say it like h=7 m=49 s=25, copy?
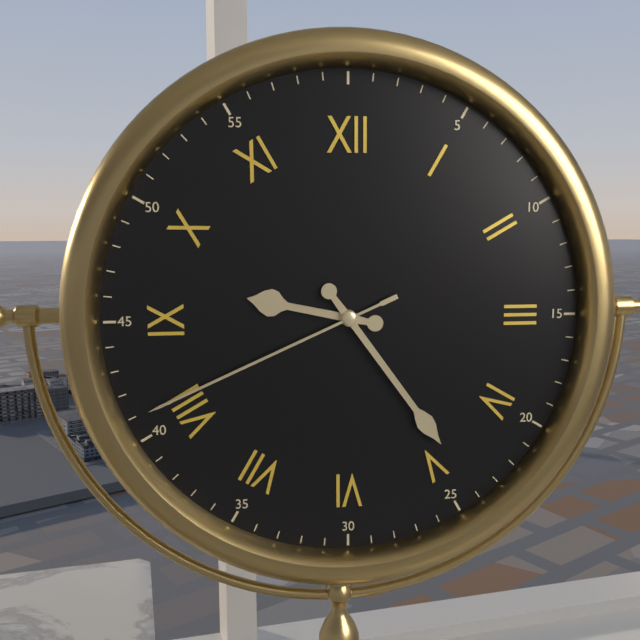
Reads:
h=9 m=24 s=41
